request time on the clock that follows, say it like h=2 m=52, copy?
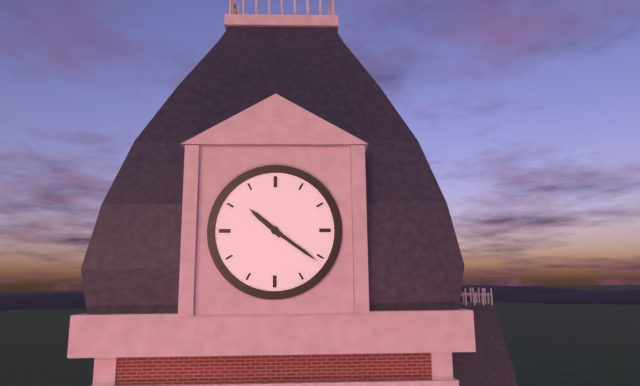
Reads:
h=10 m=21
